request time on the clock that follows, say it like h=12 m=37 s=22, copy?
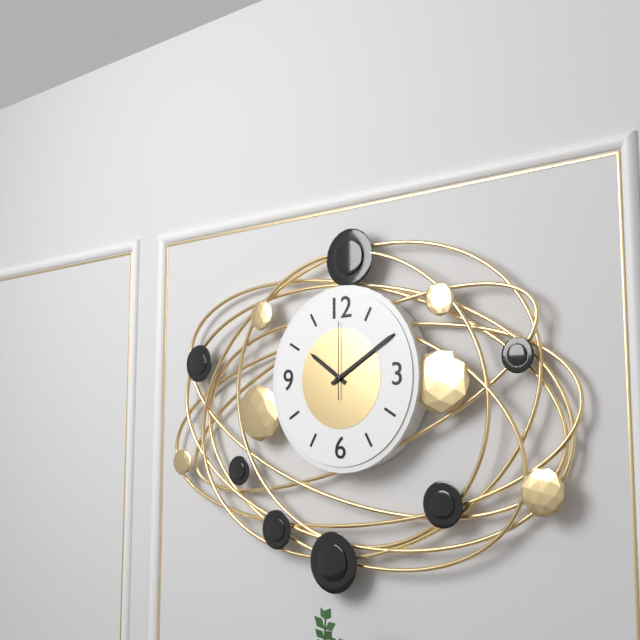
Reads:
h=10 m=10 s=0
